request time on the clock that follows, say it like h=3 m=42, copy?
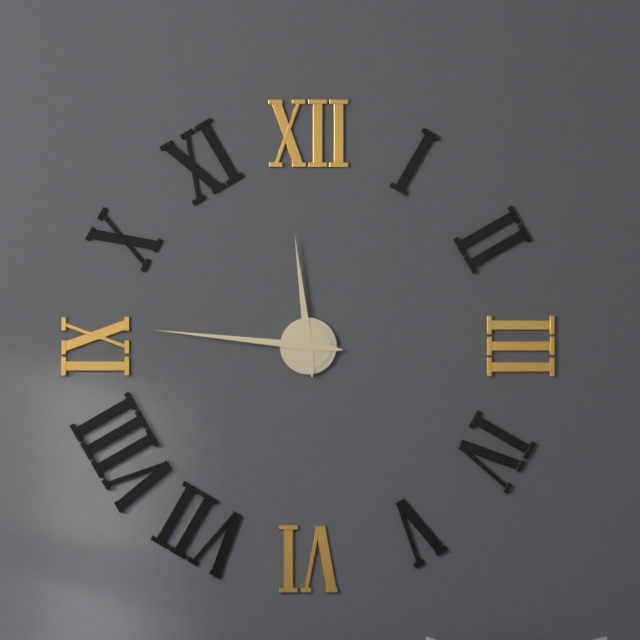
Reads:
h=11 m=46
